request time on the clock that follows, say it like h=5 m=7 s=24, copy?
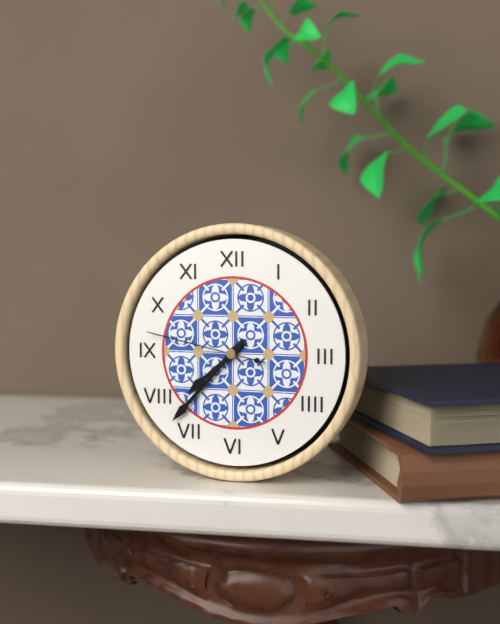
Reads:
h=7 m=37 s=47
